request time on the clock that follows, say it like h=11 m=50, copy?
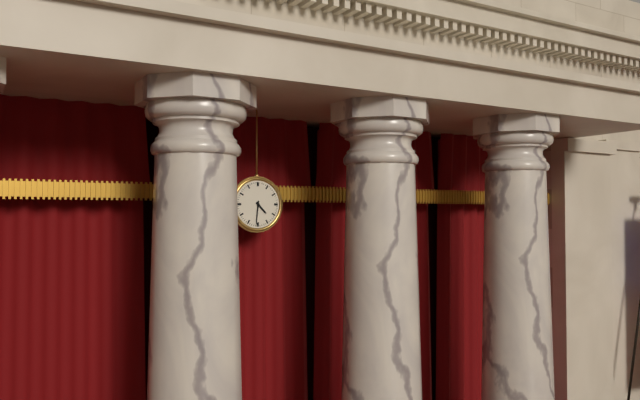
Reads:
h=4 m=31
